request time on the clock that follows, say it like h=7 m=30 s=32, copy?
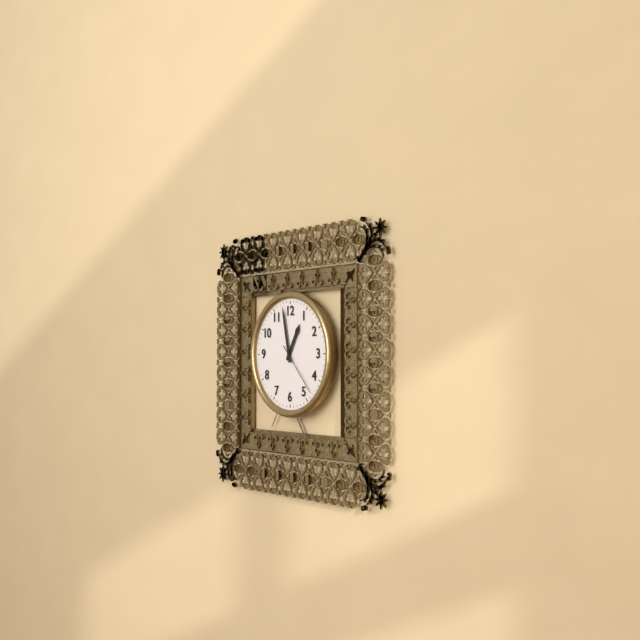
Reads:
h=12 m=58 s=23
